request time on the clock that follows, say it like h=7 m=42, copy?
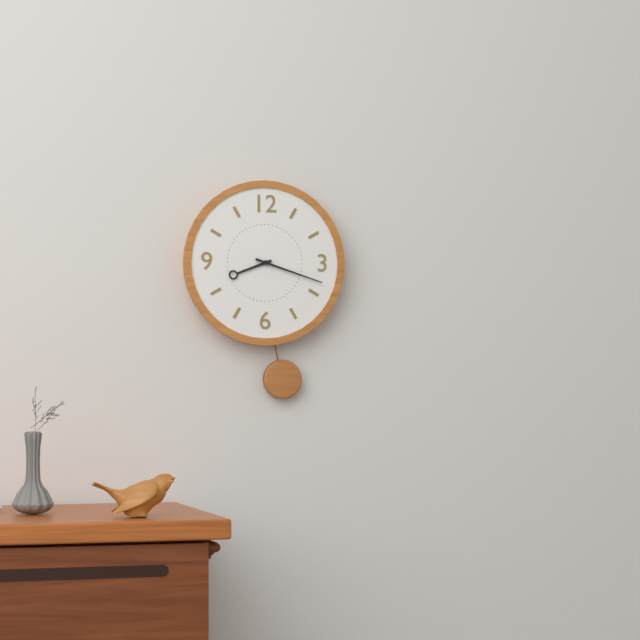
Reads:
h=8 m=18
